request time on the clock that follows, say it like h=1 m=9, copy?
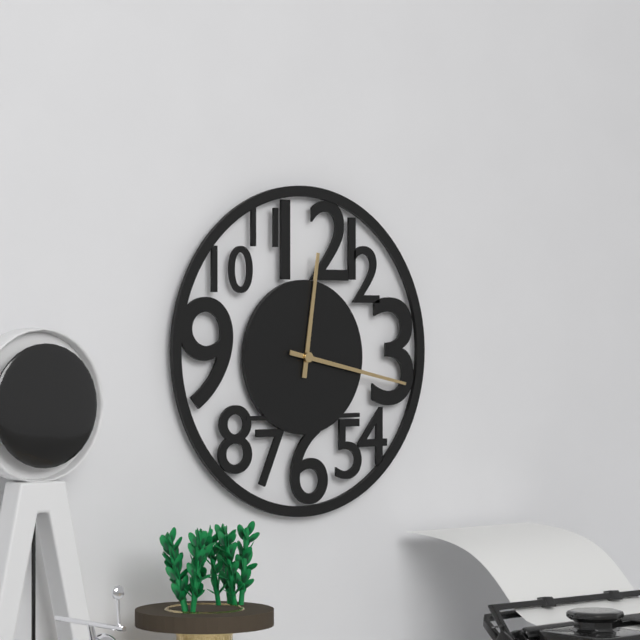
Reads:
h=12 m=17
